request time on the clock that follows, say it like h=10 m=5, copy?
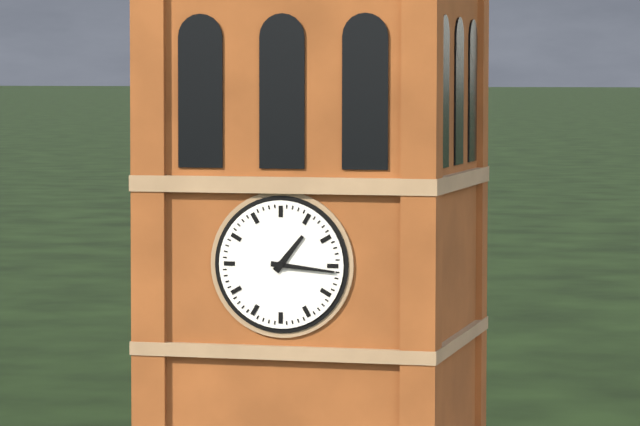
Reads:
h=1 m=16
